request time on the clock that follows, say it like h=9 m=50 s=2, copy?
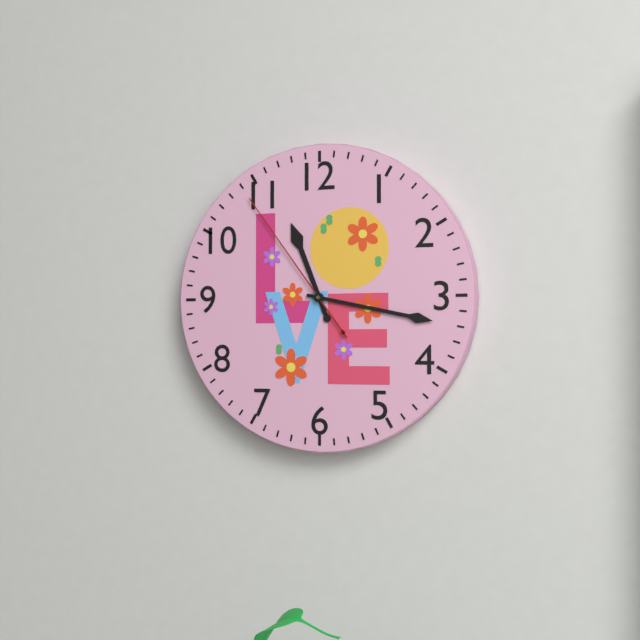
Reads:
h=11 m=17 s=54
